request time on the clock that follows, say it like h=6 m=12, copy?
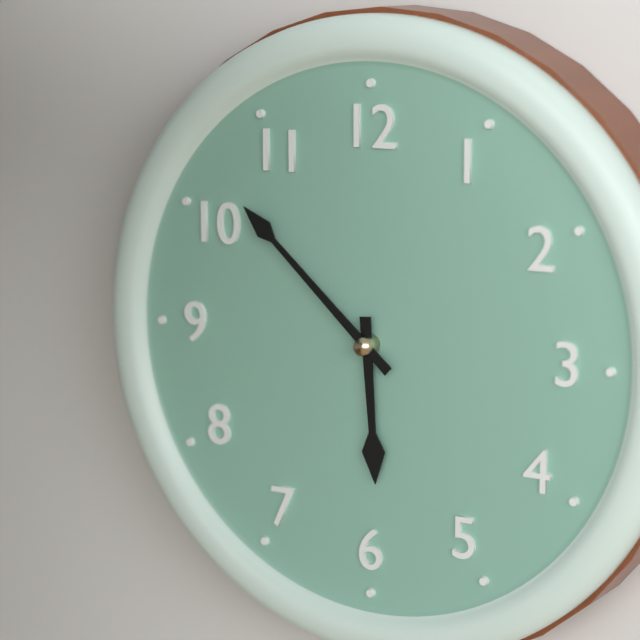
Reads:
h=5 m=52
